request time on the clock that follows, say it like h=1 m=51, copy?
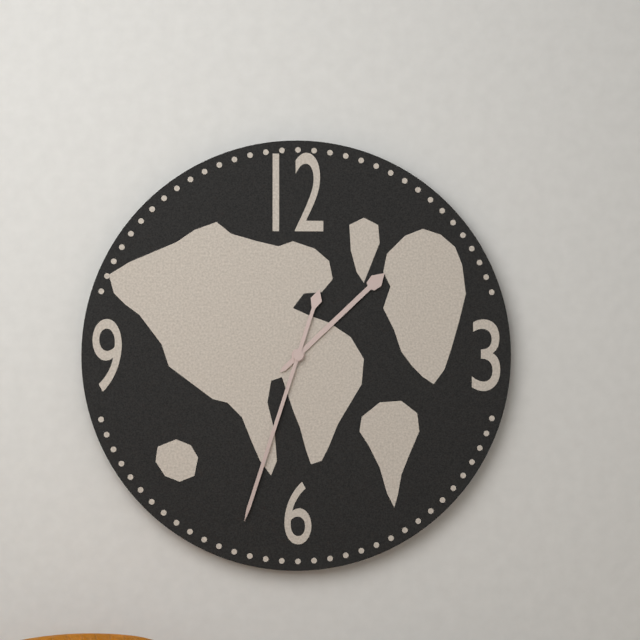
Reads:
h=1 m=33
